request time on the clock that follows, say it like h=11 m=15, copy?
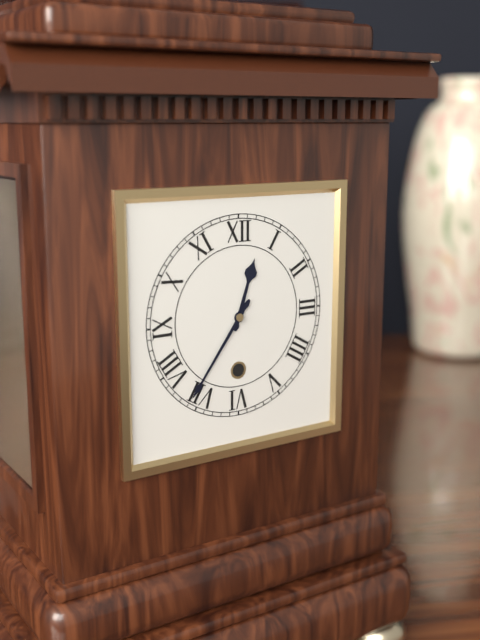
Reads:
h=12 m=36
